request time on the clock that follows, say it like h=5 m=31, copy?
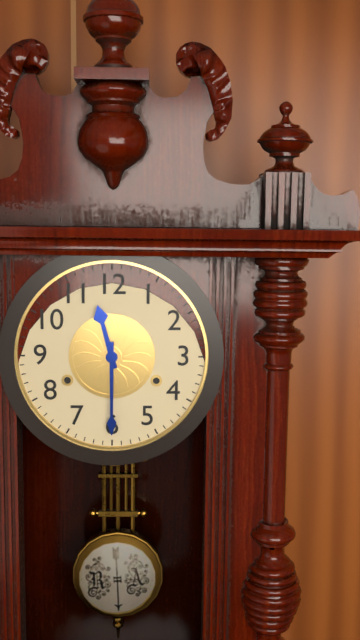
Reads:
h=11 m=30
